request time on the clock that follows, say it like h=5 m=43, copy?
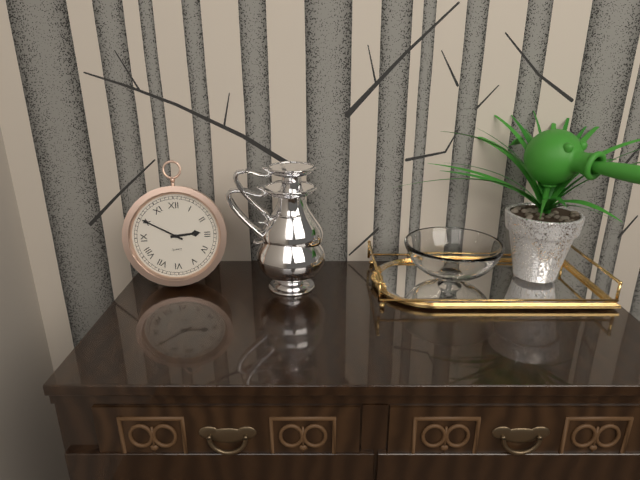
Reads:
h=2 m=50
